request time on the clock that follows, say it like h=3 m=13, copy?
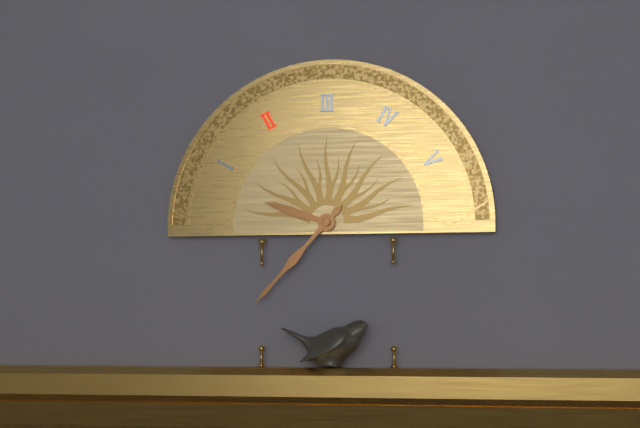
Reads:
h=9 m=37
